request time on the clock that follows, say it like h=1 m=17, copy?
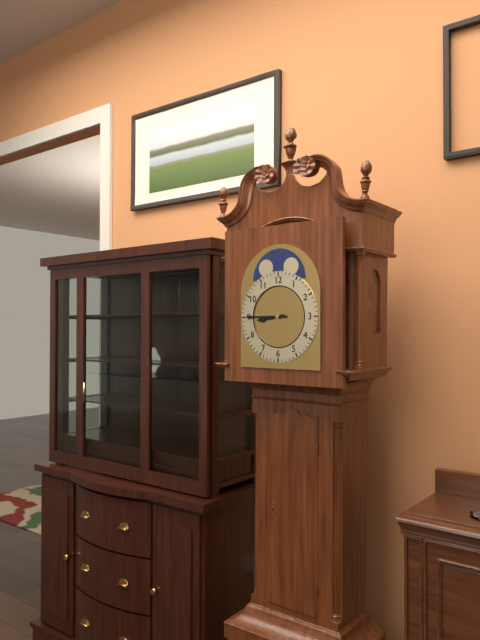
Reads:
h=8 m=45
